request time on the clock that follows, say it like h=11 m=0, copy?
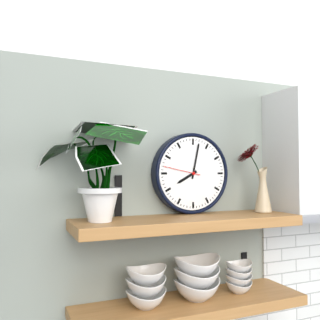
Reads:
h=8 m=2
